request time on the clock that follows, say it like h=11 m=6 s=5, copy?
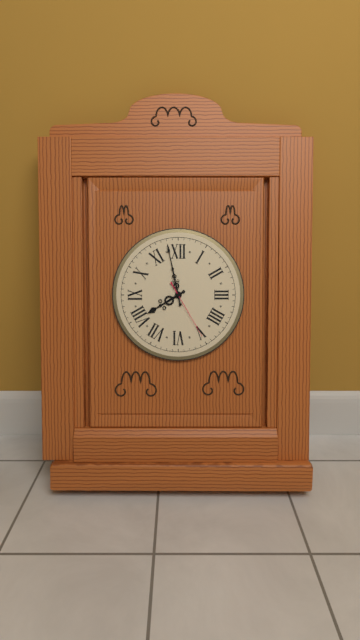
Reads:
h=7 m=58 s=25
